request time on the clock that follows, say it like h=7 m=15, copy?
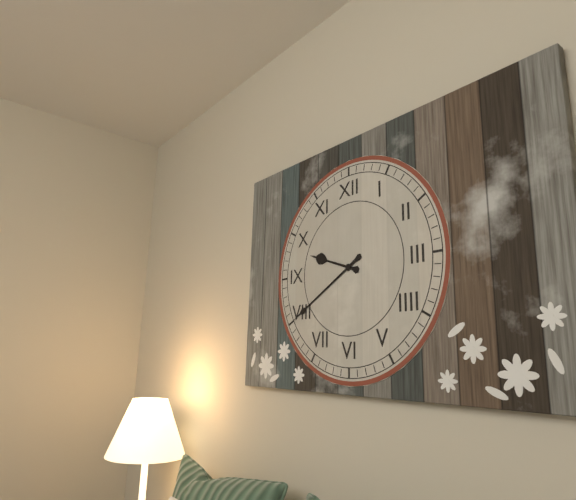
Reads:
h=9 m=40
